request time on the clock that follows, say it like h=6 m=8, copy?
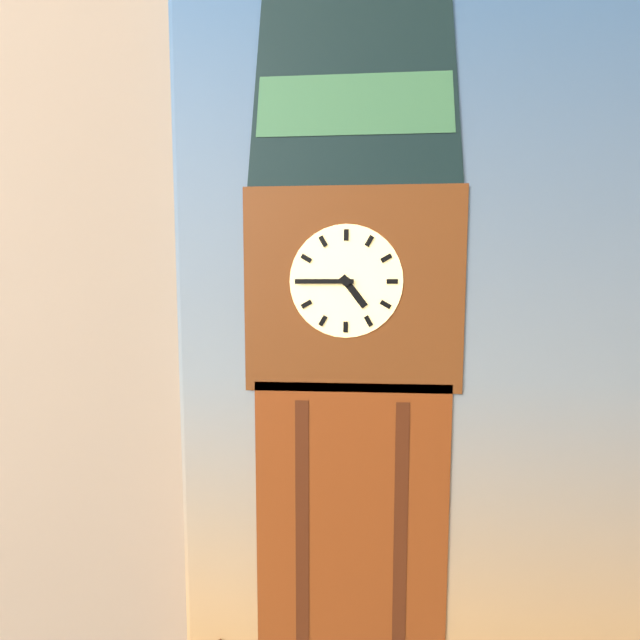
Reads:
h=4 m=45
